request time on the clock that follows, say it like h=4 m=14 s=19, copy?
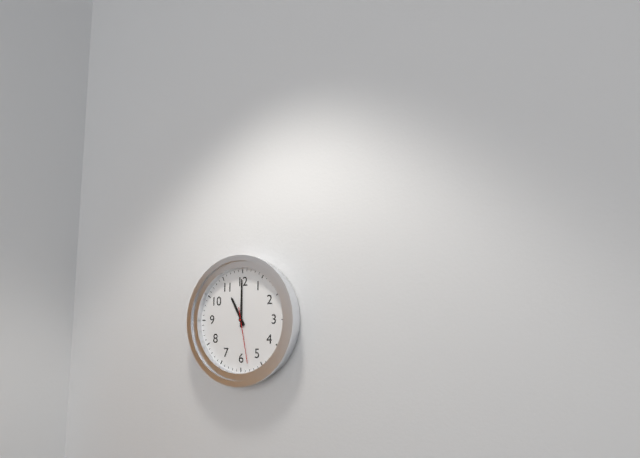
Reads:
h=11 m=0 s=28
